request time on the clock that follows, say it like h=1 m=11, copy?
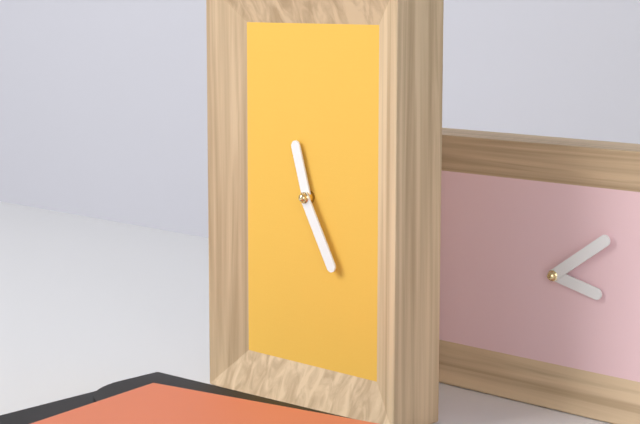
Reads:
h=11 m=25
